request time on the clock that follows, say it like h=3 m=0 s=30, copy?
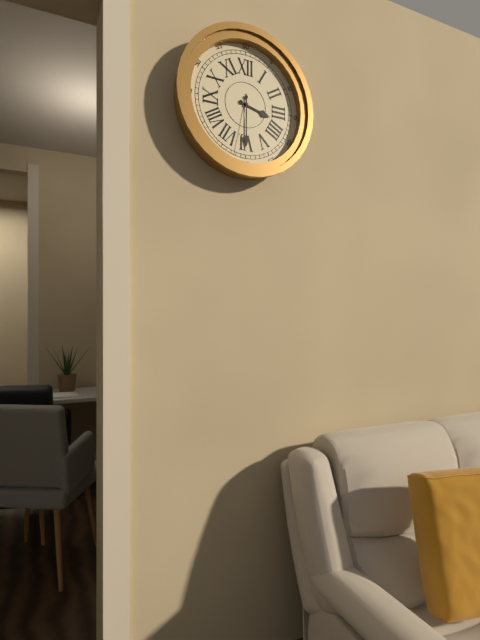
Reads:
h=3 m=30 s=32
